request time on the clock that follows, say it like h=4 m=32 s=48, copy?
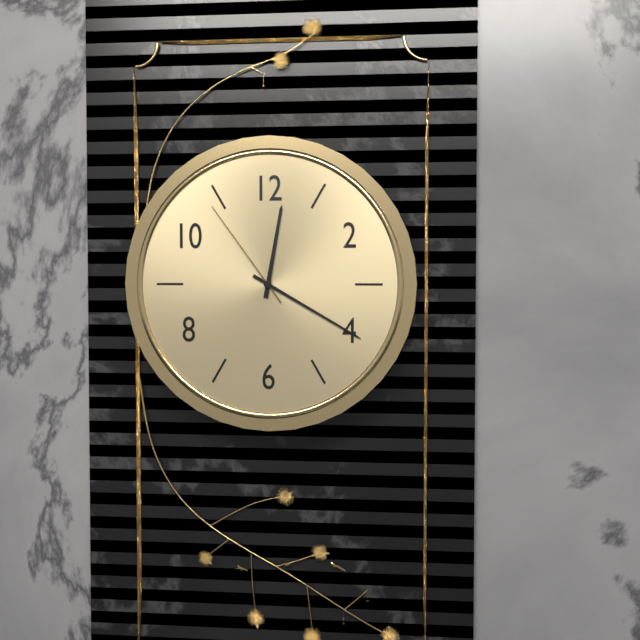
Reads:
h=12 m=20 s=54
